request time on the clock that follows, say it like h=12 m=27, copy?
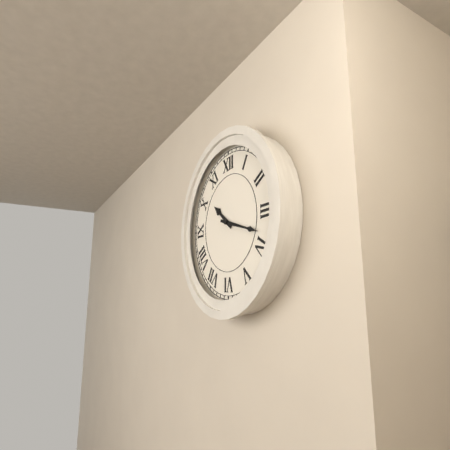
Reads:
h=10 m=18
